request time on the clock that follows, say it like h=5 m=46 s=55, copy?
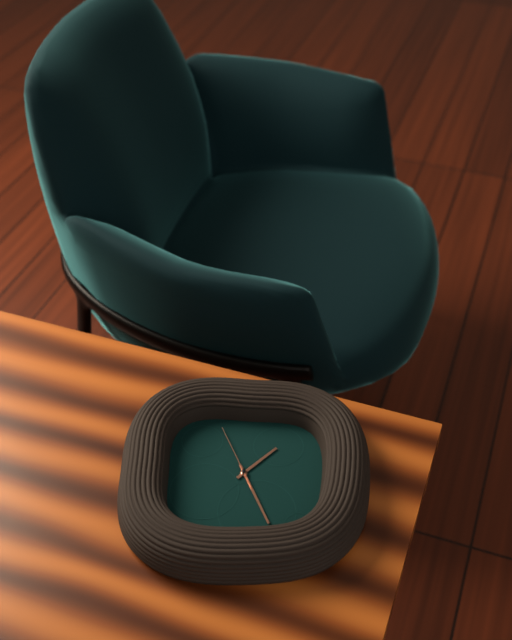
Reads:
h=1 m=26 s=56
